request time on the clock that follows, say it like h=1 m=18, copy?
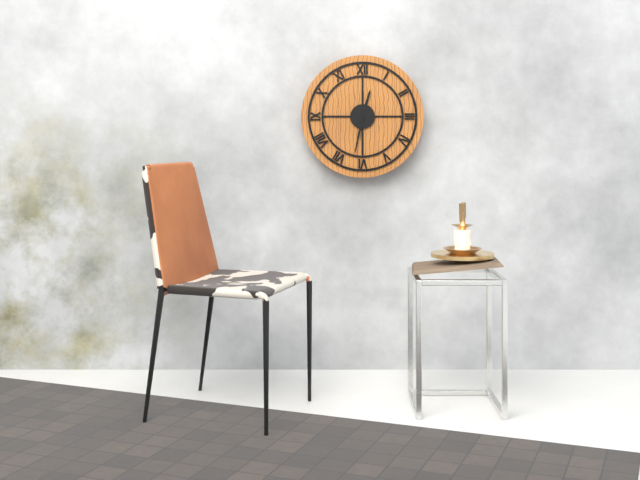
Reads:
h=12 m=32
